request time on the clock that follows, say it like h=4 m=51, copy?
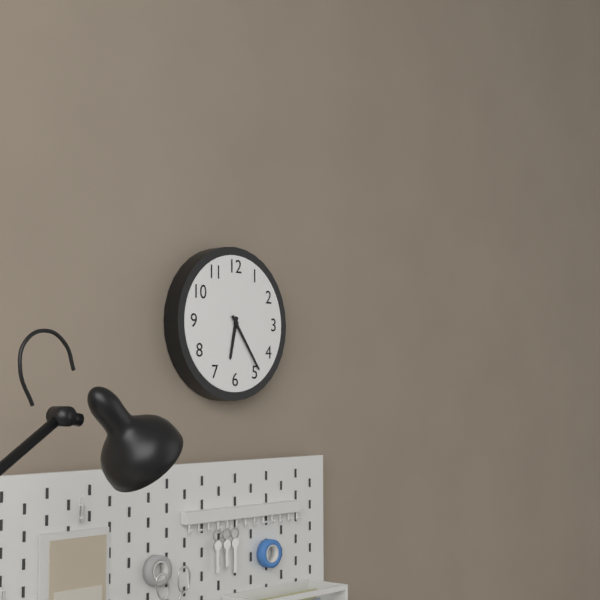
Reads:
h=6 m=24
